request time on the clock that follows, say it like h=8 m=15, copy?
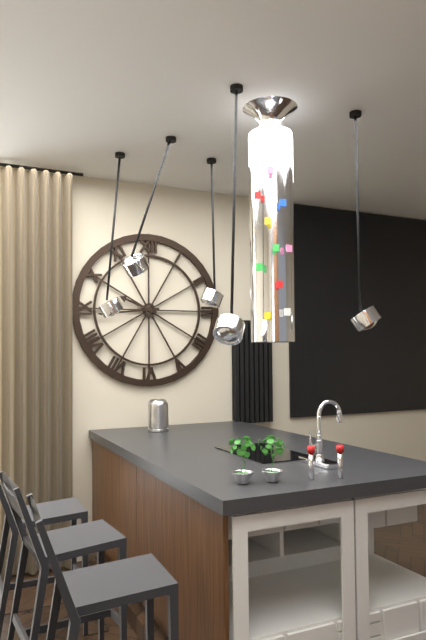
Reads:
h=9 m=44
